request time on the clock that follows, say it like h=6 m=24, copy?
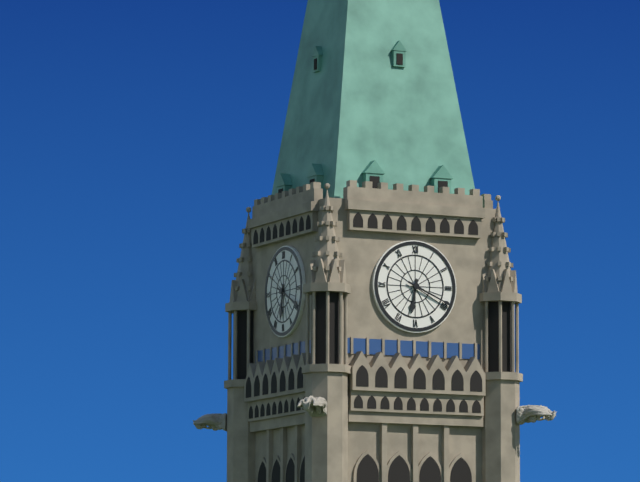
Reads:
h=6 m=19
